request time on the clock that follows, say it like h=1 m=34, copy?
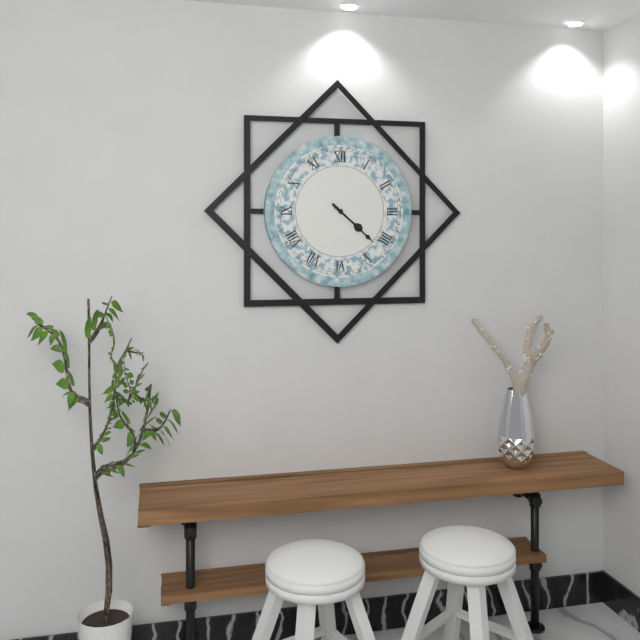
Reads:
h=4 m=22
